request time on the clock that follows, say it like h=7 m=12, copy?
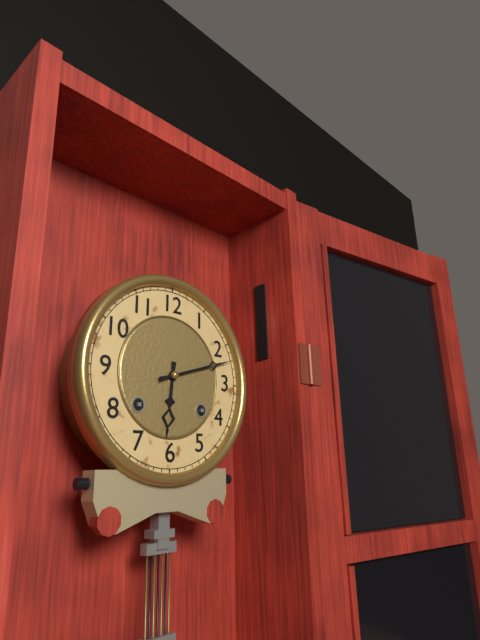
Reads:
h=6 m=12
